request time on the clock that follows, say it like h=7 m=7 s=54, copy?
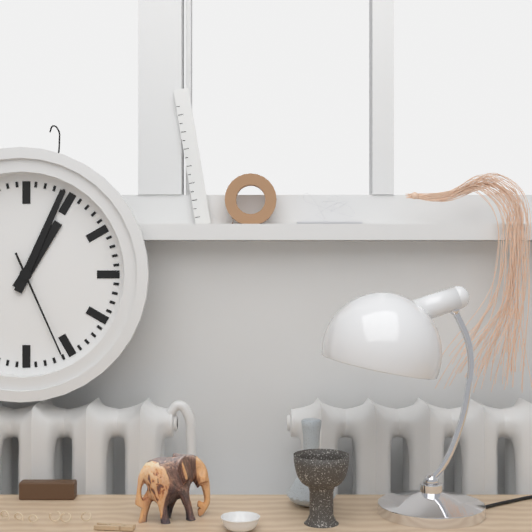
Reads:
h=1 m=4 s=26
